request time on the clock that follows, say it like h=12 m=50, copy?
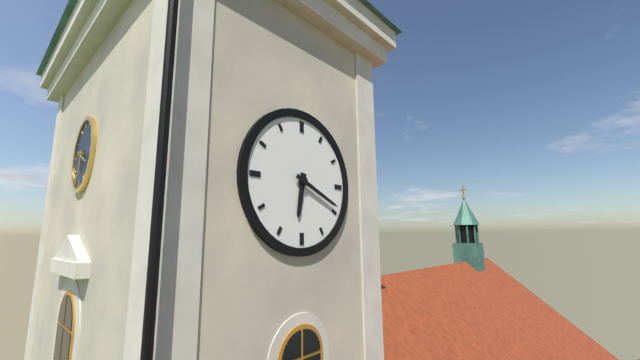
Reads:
h=6 m=19
